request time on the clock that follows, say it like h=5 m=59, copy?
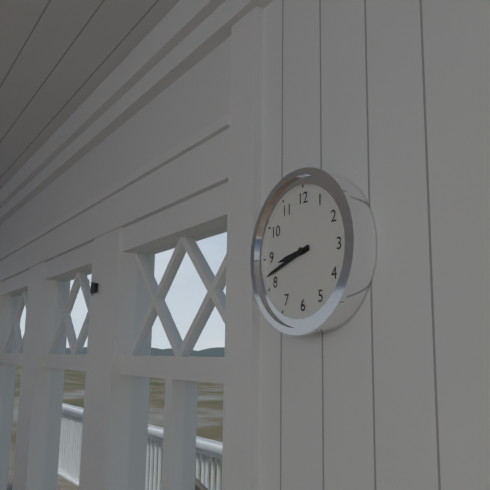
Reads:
h=8 m=42
